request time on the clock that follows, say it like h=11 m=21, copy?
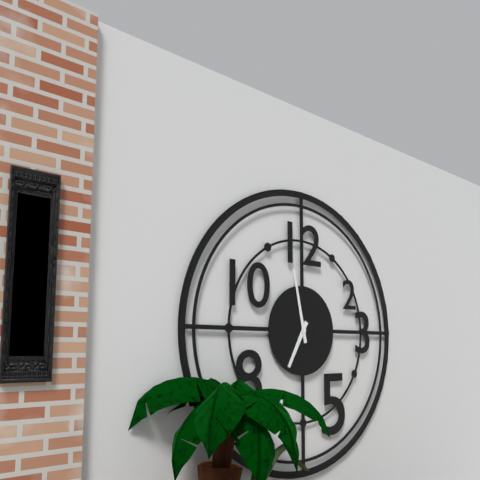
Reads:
h=6 m=58
